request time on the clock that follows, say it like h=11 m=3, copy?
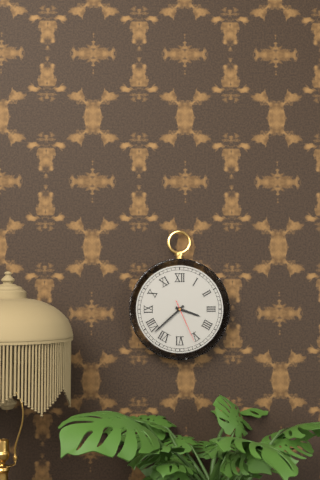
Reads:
h=3 m=38
